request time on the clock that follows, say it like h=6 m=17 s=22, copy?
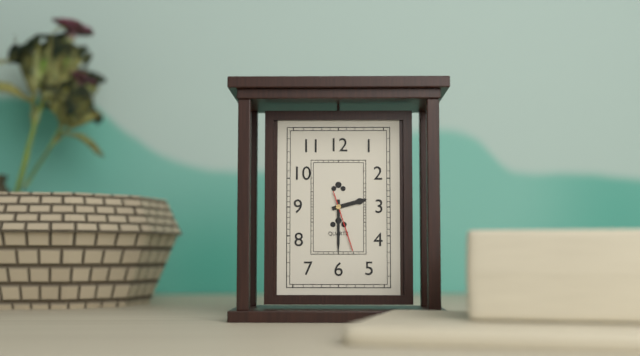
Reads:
h=2 m=30 s=27
